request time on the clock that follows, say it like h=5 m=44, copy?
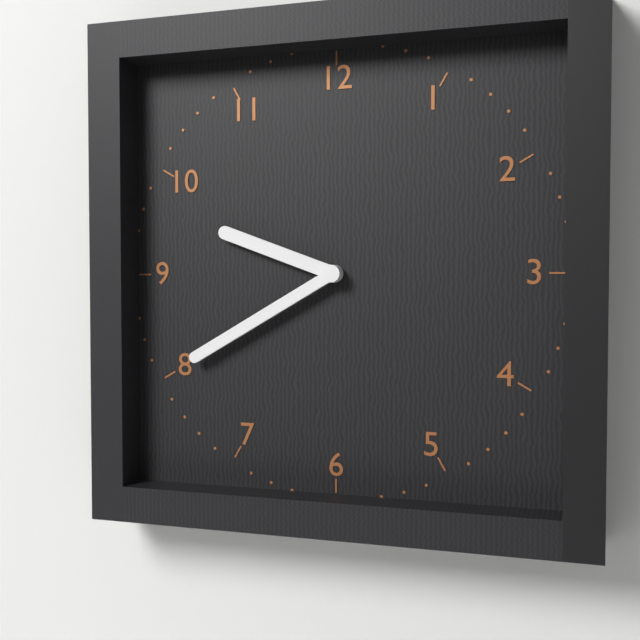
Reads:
h=9 m=40
